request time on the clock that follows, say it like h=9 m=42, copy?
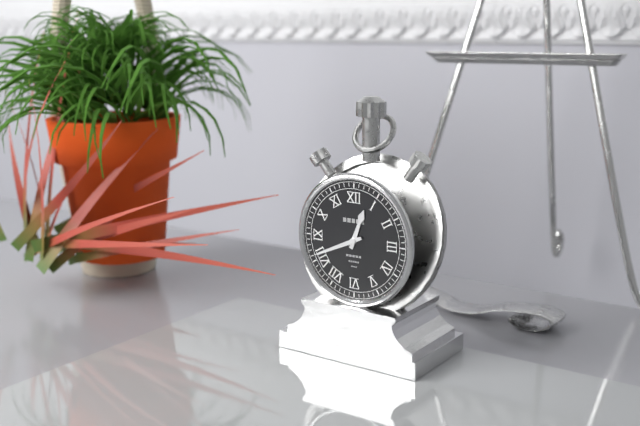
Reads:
h=12 m=41
